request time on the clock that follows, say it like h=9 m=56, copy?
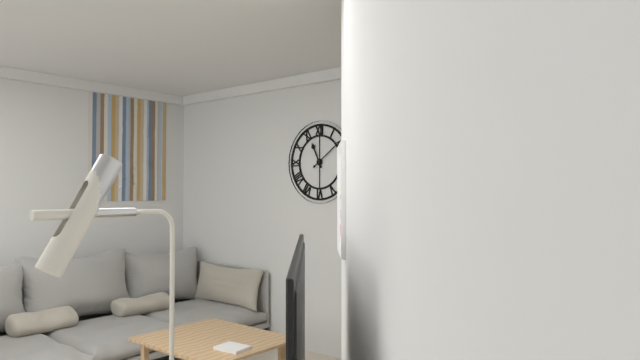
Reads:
h=11 m=9
